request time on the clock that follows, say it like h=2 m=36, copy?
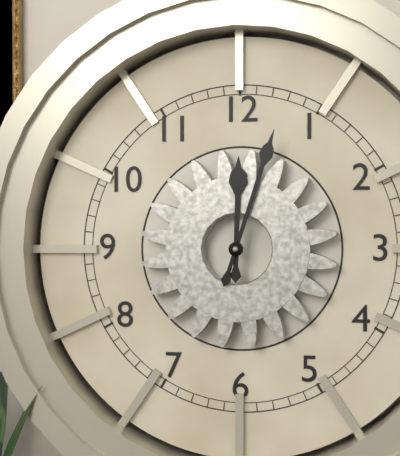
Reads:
h=12 m=3
